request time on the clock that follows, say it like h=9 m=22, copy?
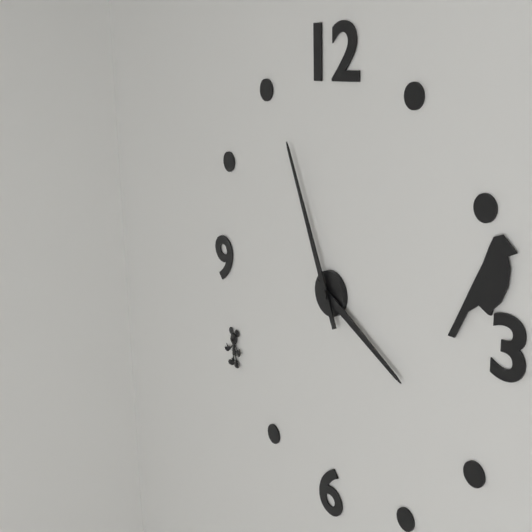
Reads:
h=3 m=56
